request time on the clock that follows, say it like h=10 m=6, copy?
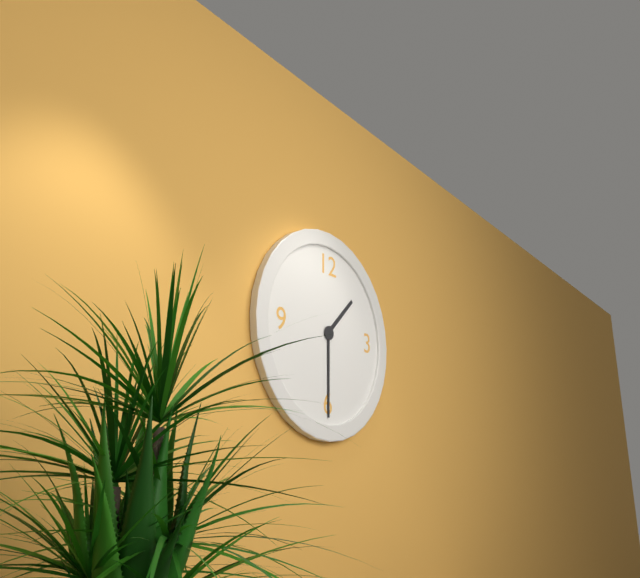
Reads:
h=1 m=30
